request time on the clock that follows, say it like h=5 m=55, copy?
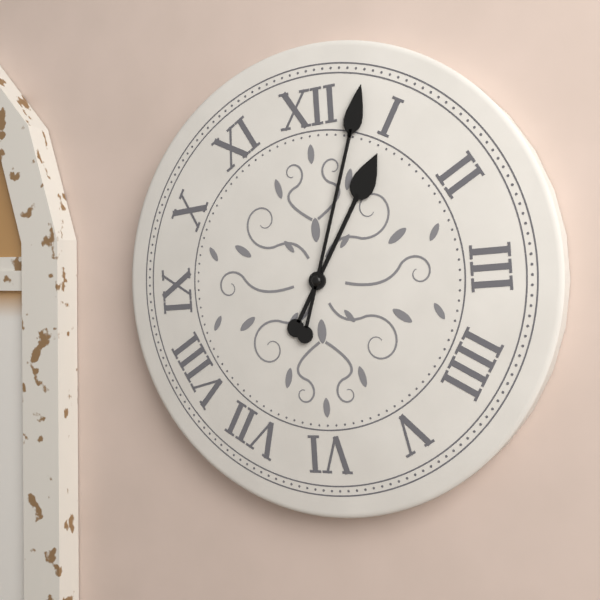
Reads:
h=1 m=3
